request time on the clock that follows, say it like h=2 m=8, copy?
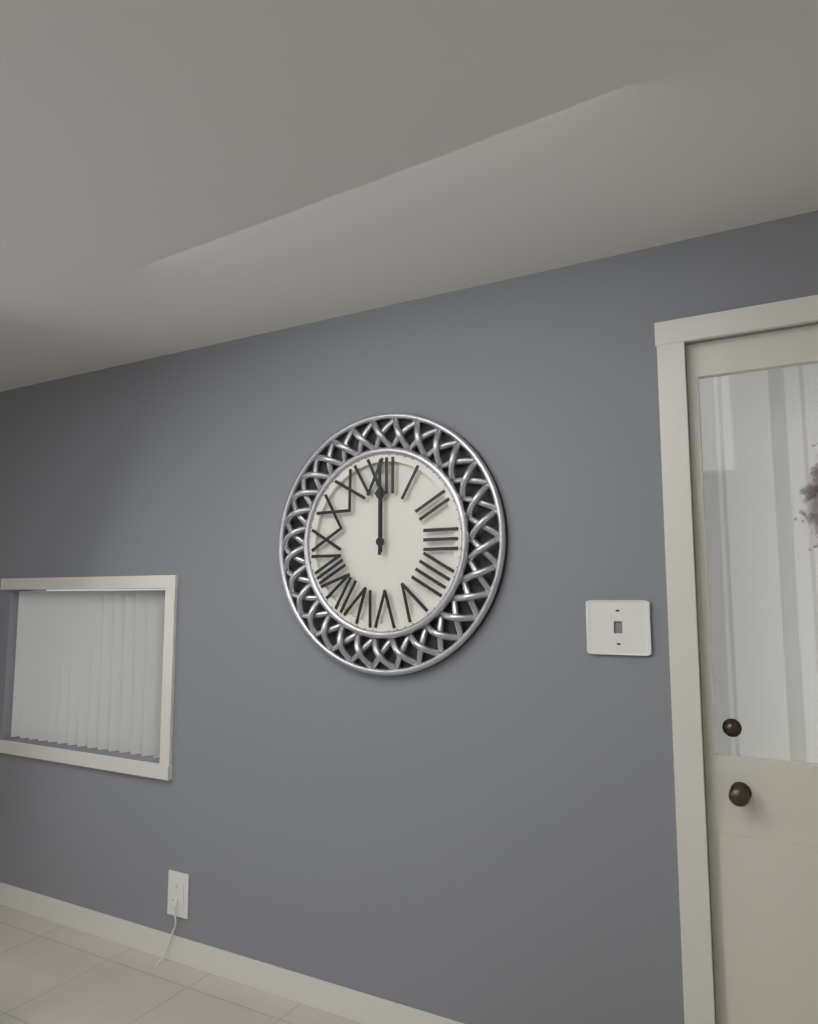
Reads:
h=12 m=0
